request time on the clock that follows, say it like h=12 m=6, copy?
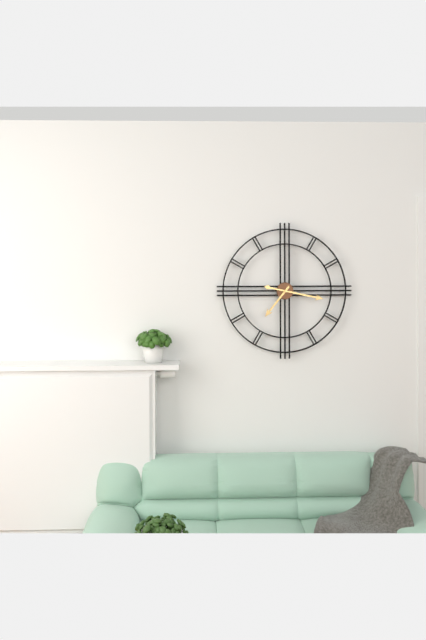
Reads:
h=7 m=17
